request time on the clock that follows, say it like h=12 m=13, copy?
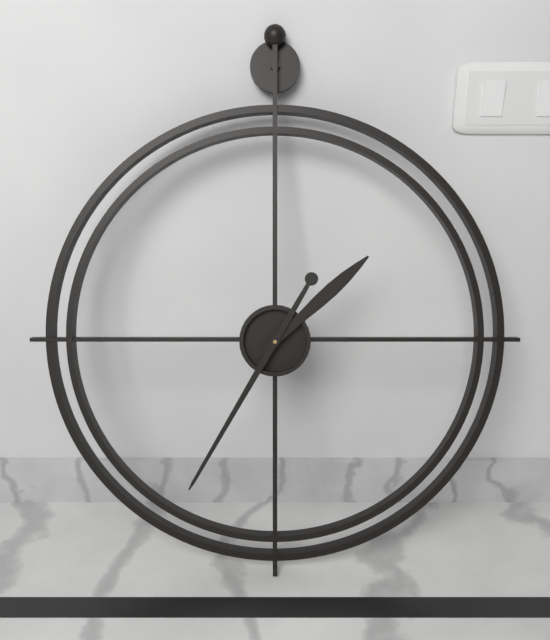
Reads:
h=1 m=35
